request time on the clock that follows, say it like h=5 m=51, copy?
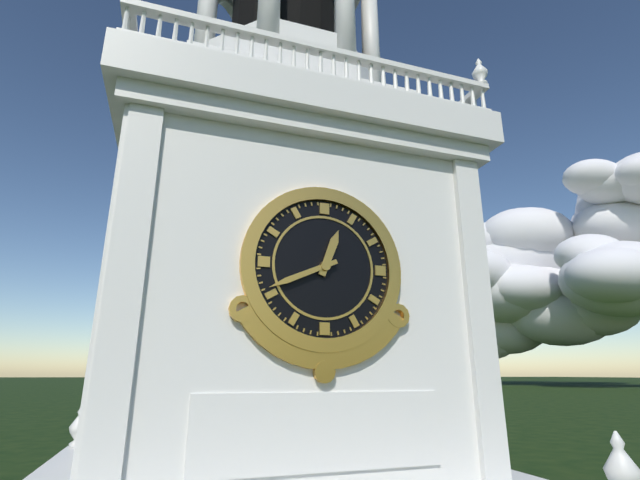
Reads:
h=12 m=41
